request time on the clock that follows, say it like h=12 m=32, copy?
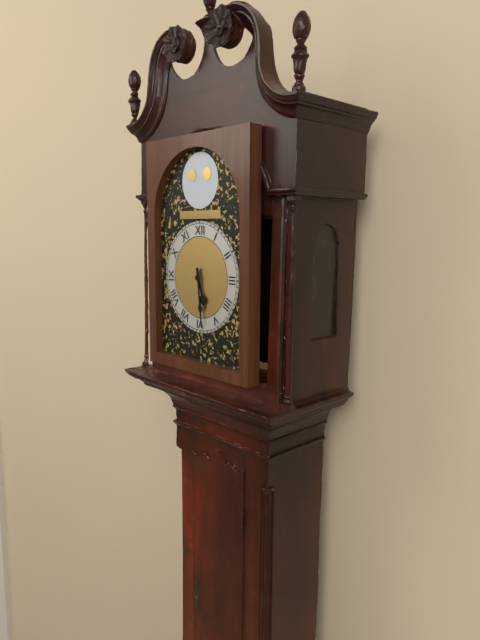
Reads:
h=5 m=29
